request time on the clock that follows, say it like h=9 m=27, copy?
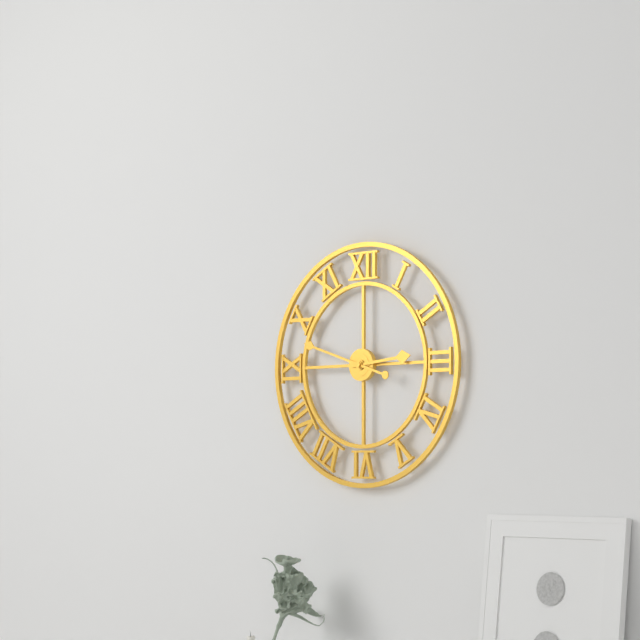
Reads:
h=2 m=48
